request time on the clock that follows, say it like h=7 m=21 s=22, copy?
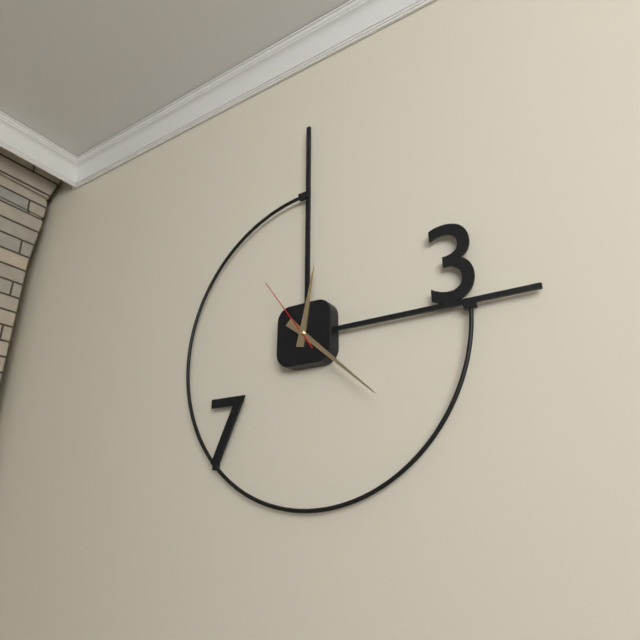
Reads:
h=12 m=22 s=54
